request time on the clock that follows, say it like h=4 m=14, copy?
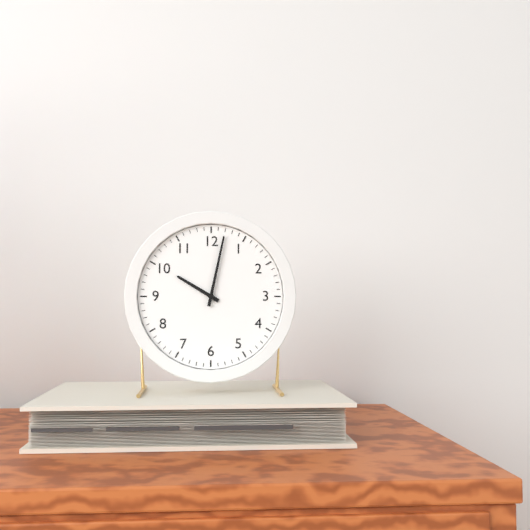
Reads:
h=10 m=2
